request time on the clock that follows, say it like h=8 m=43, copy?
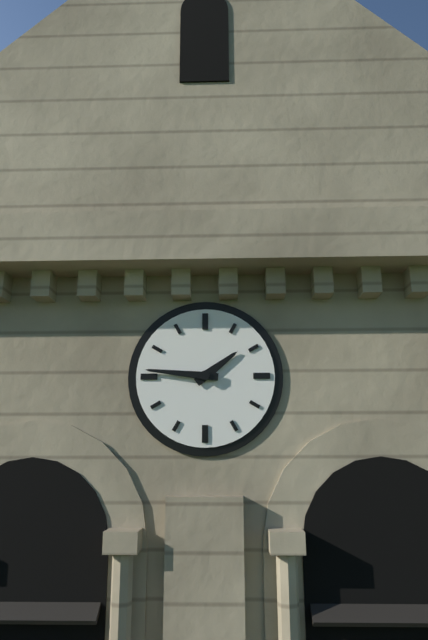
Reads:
h=1 m=46
